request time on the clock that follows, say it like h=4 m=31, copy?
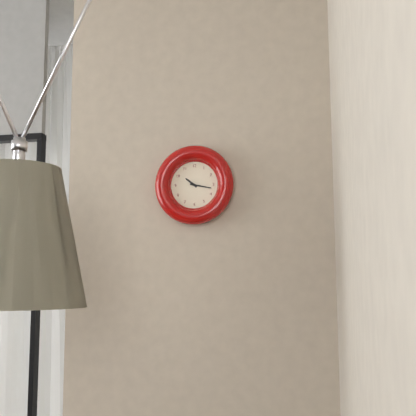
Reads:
h=10 m=17
